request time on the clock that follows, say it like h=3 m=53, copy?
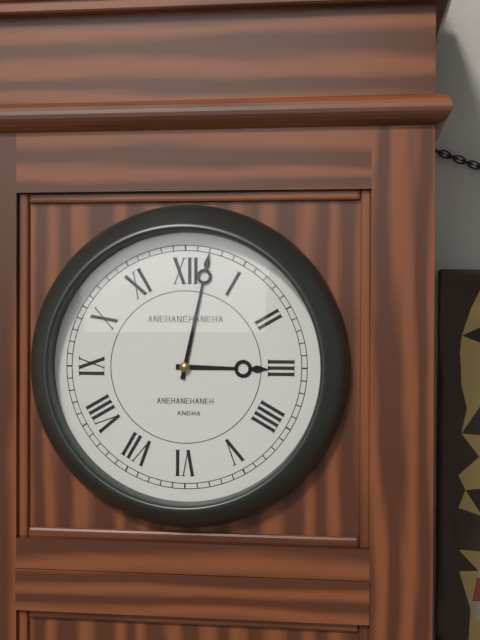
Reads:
h=3 m=2
